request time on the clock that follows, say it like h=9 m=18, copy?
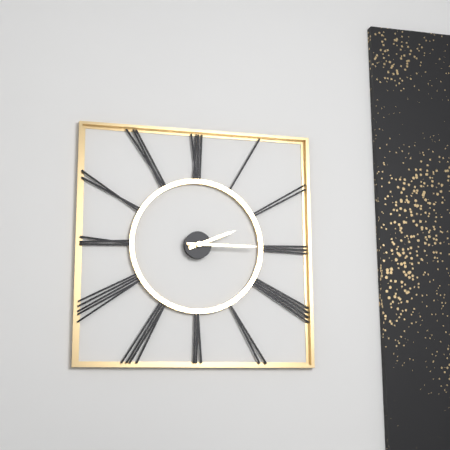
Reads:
h=2 m=15
